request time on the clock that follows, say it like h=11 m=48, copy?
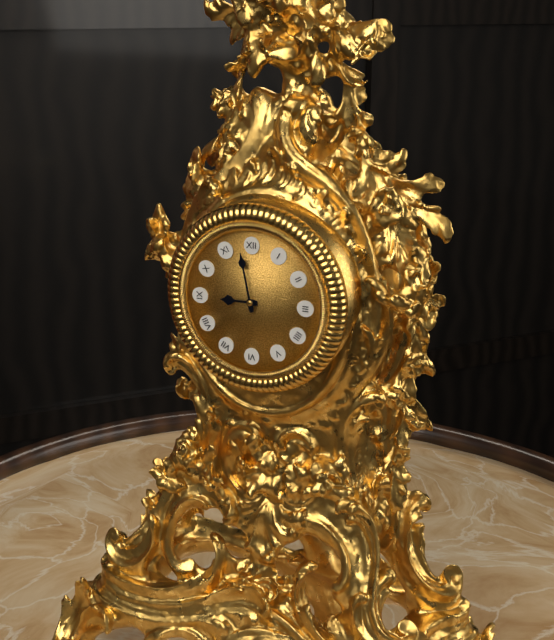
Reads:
h=8 m=58
